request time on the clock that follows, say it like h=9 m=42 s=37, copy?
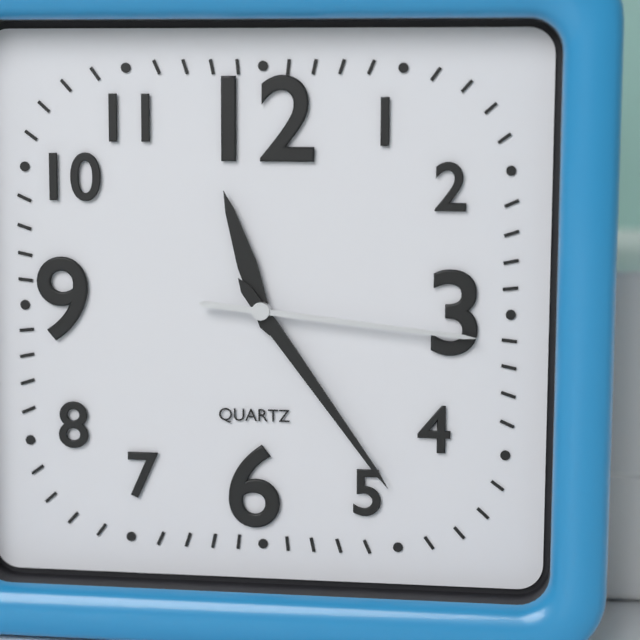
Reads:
h=11 m=24 s=16
